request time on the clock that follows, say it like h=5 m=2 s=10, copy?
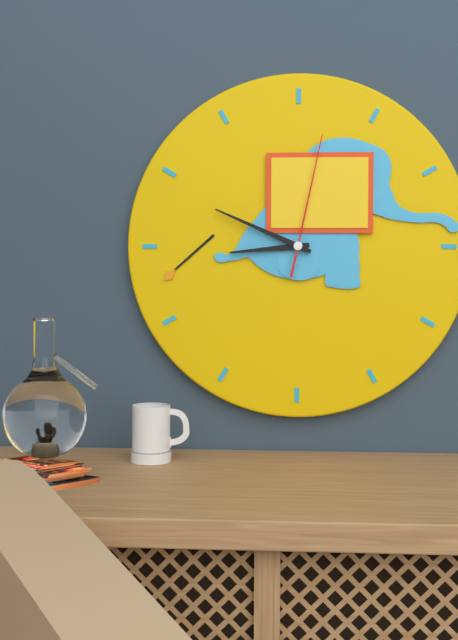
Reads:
h=8 m=49 s=2
